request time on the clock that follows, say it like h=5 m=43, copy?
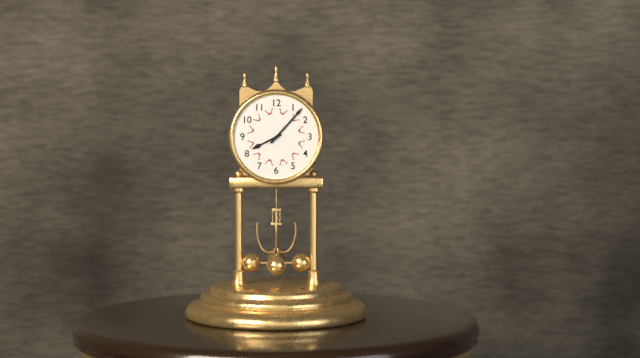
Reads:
h=8 m=7
